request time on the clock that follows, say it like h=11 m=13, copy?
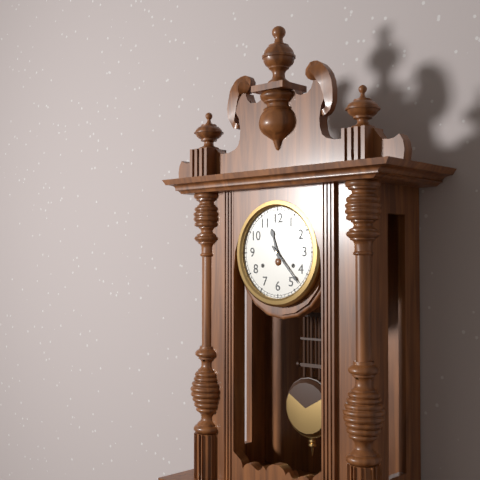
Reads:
h=11 m=23
